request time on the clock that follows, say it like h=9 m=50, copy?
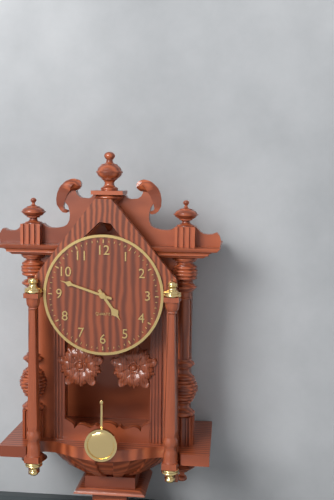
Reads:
h=4 m=48
